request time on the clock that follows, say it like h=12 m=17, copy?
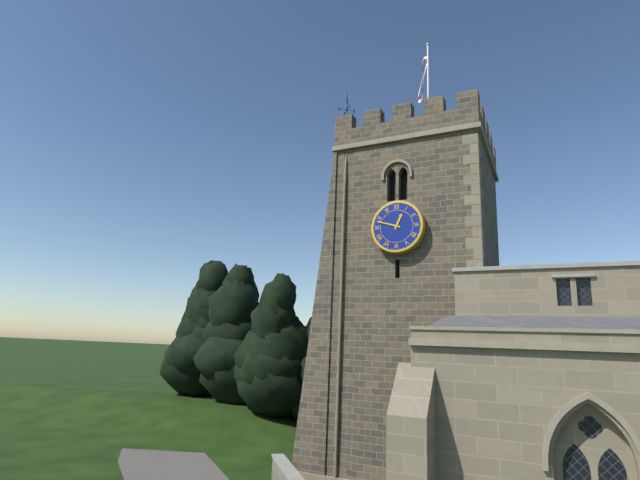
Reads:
h=12 m=48
